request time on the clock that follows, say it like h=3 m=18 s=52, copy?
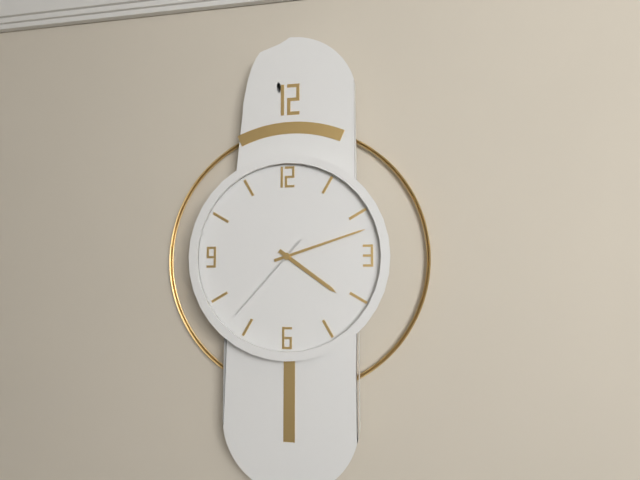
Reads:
h=4 m=12 s=37
